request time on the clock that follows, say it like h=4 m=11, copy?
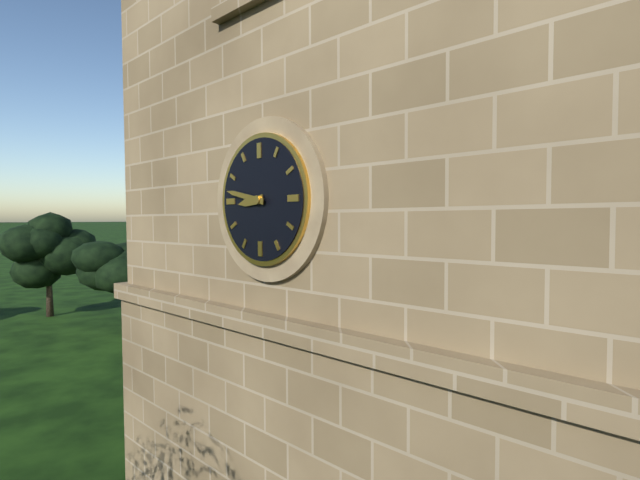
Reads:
h=8 m=47
